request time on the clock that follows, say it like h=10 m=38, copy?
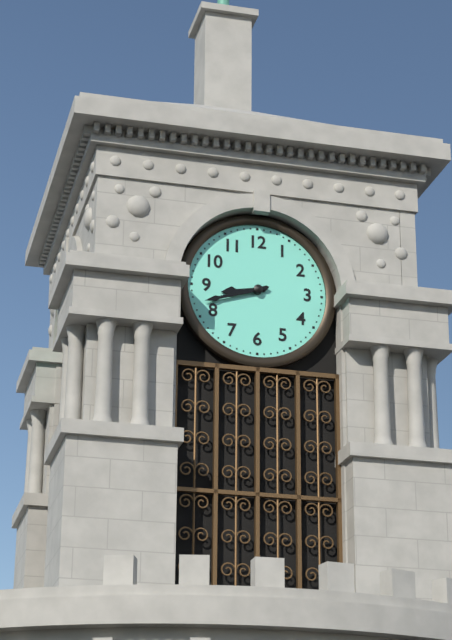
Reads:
h=8 m=42
